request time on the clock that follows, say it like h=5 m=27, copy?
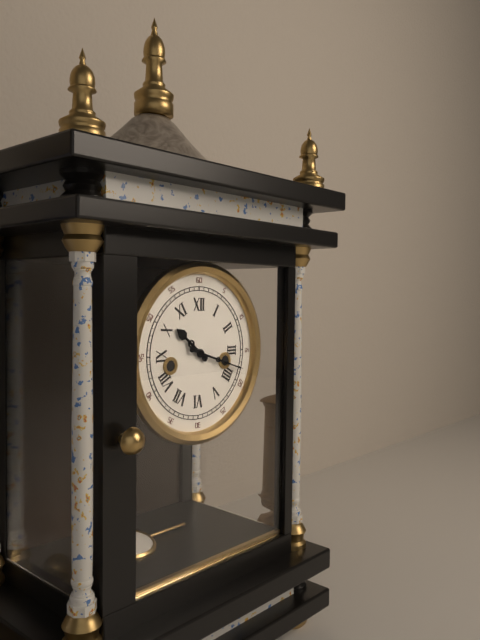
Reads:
h=10 m=18
